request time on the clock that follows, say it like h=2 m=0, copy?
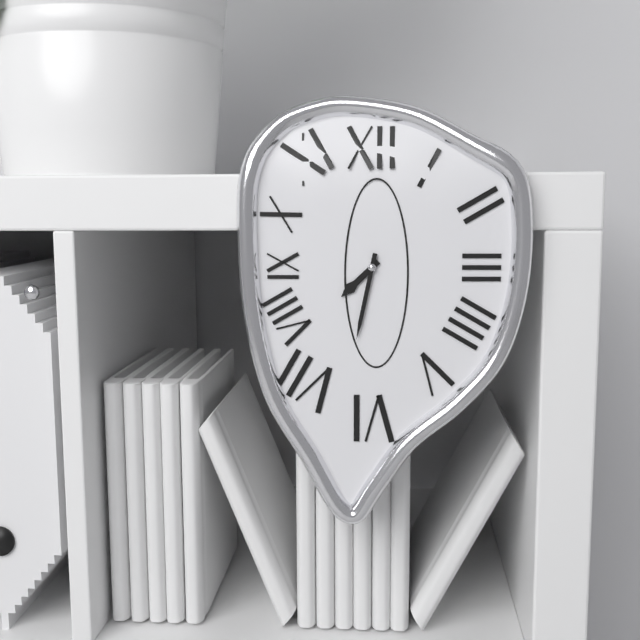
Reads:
h=7 m=32
